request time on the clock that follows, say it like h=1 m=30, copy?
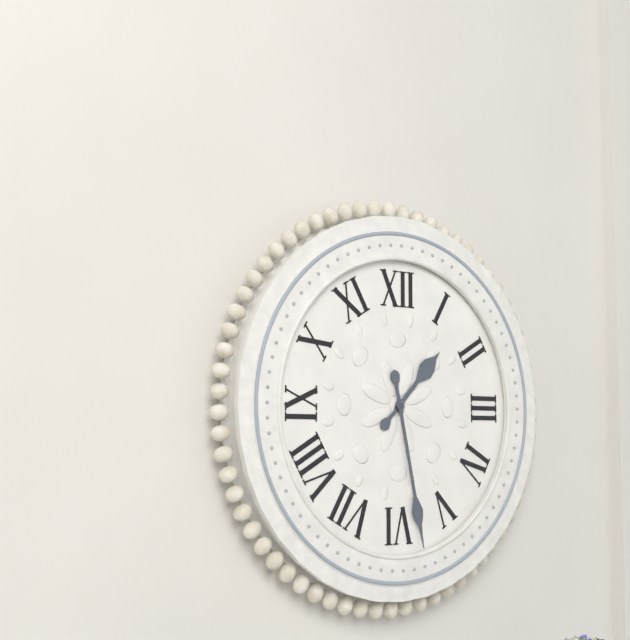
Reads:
h=1 m=28
